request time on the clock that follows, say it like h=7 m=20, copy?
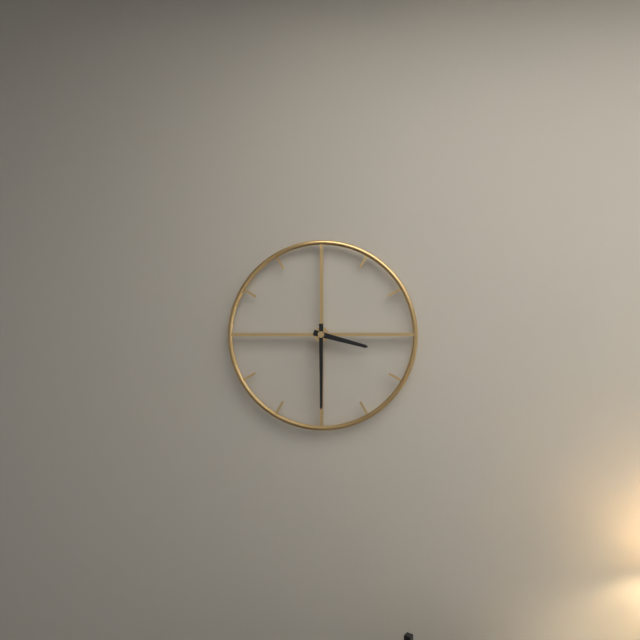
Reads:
h=3 m=30
